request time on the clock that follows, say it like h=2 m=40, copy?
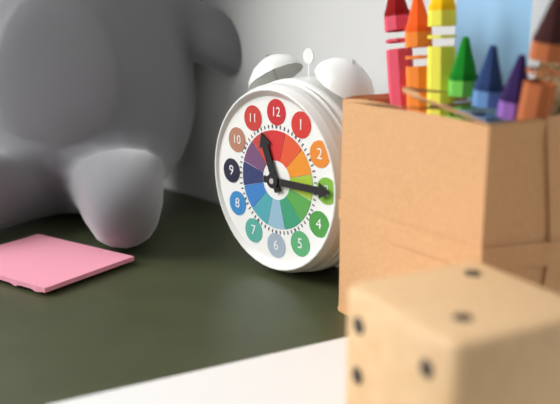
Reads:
h=11 m=15
